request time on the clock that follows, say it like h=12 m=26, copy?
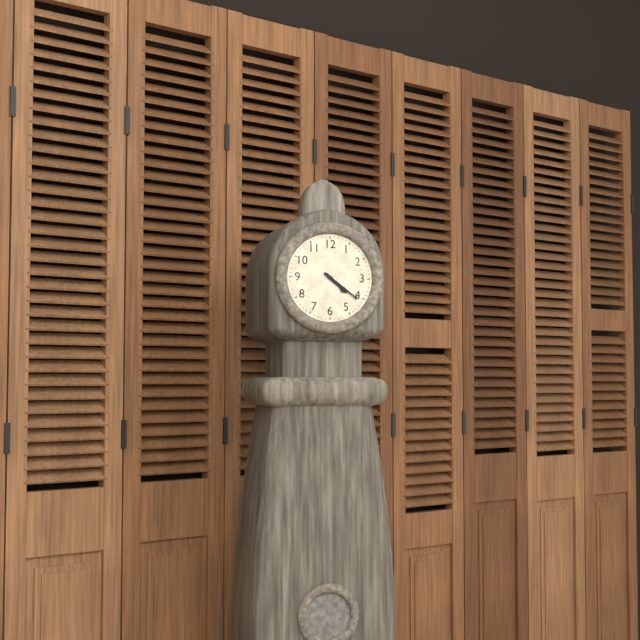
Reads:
h=4 m=21
